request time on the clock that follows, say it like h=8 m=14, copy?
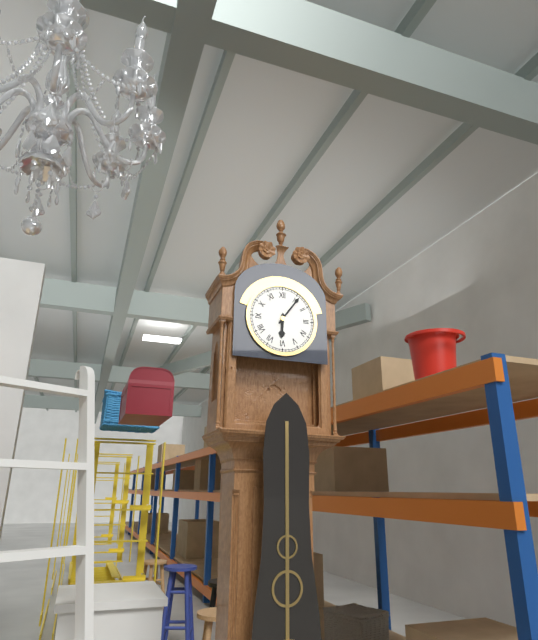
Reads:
h=6 m=6
